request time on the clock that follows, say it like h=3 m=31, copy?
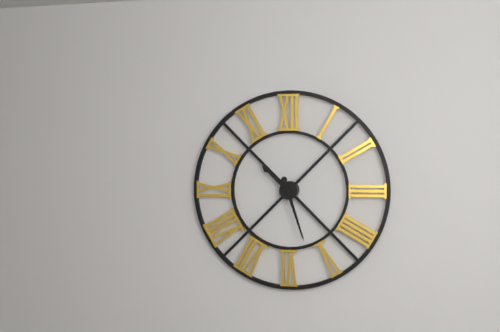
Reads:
h=10 m=27
